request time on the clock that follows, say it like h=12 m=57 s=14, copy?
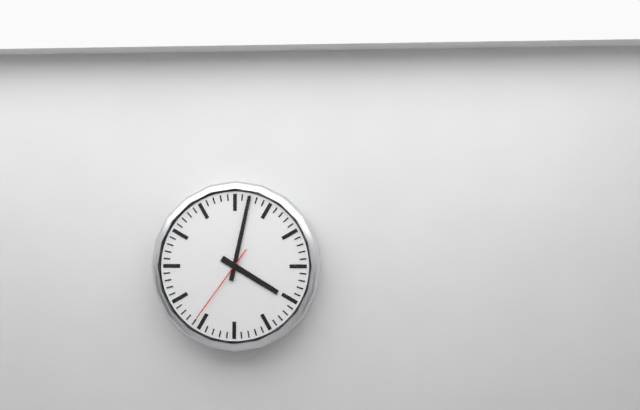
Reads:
h=4 m=2 s=36
